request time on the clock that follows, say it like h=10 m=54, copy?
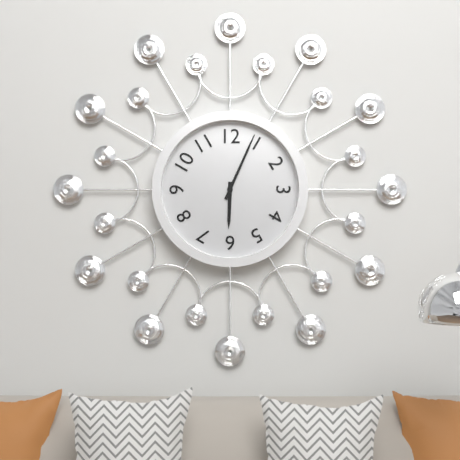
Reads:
h=6 m=4
